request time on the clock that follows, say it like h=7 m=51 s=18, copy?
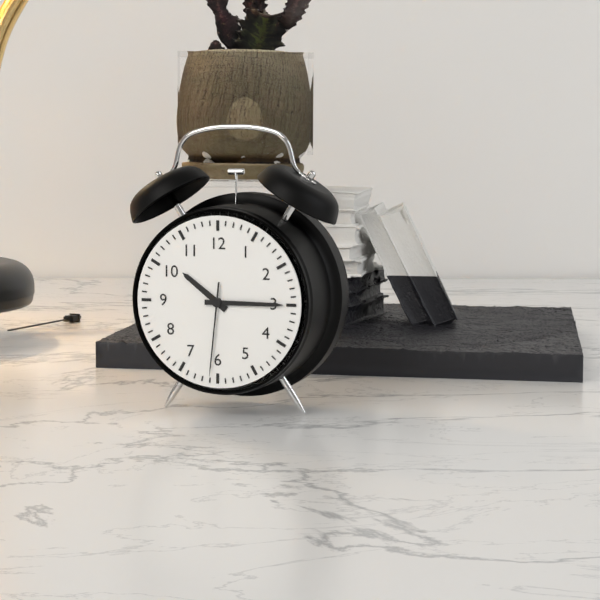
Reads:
h=10 m=15 s=31
